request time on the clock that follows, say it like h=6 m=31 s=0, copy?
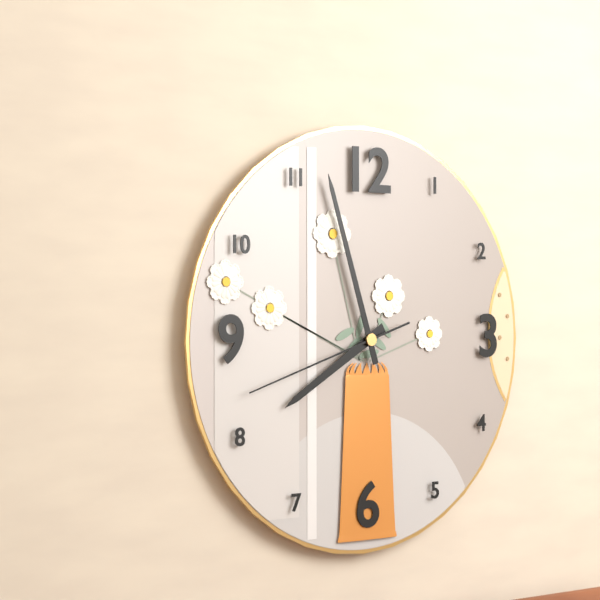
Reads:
h=7 m=57 s=42
